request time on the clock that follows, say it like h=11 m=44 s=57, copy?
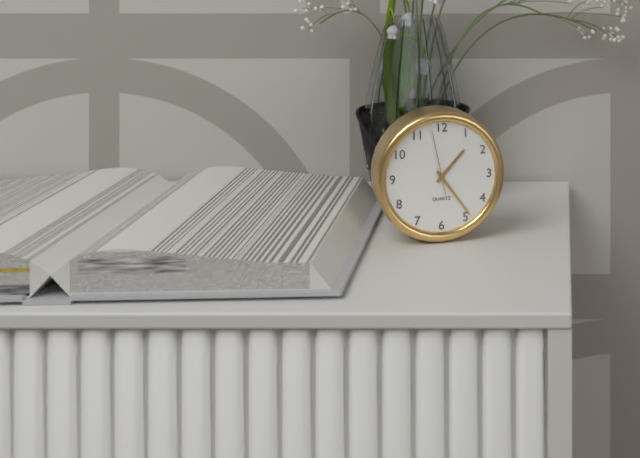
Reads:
h=1 m=24 s=58
